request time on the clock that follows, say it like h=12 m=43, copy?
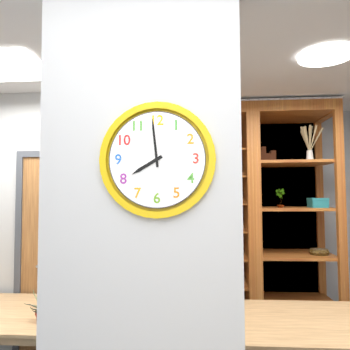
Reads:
h=7 m=59
